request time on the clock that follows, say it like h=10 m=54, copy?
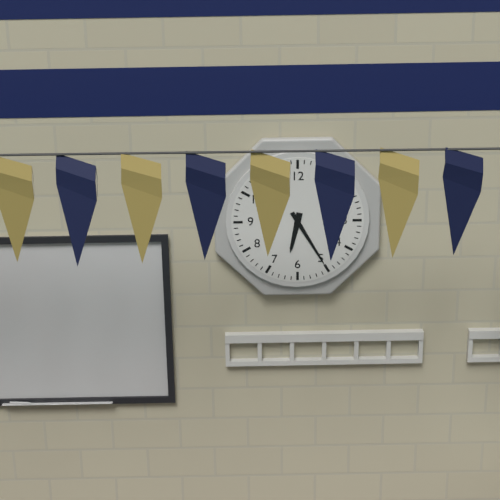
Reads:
h=6 m=25
